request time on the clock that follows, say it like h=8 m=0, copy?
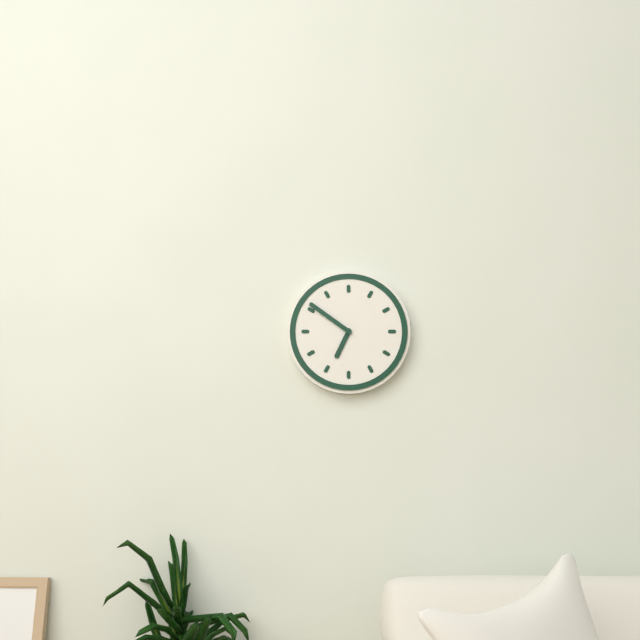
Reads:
h=6 m=51
